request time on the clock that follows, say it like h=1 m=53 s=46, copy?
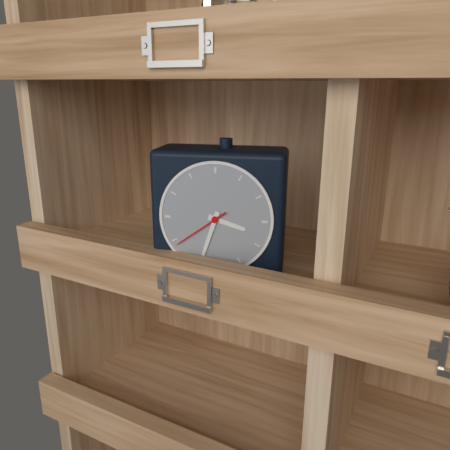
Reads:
h=3 m=33 s=39
